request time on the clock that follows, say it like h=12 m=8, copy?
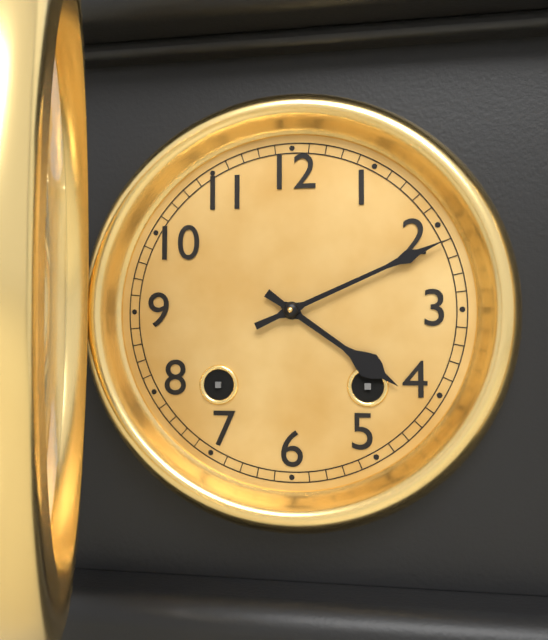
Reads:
h=4 m=11
